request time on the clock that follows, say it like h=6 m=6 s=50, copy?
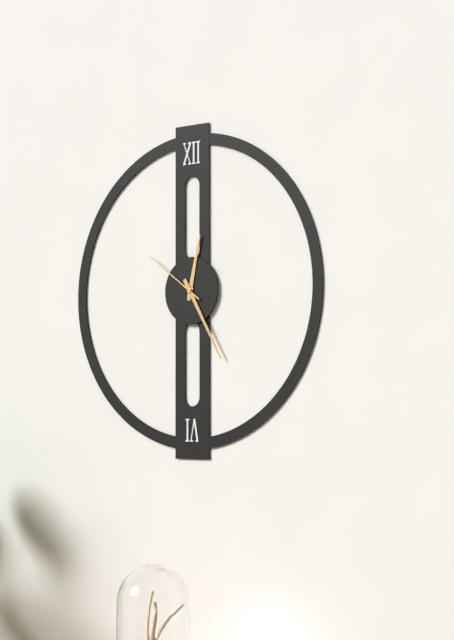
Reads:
h=12 m=25 s=51
